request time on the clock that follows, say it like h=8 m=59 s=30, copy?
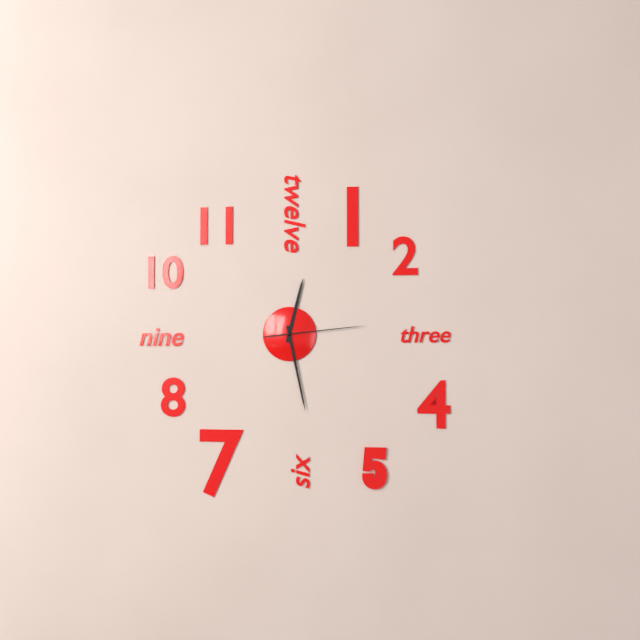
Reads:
h=12 m=28 s=14
